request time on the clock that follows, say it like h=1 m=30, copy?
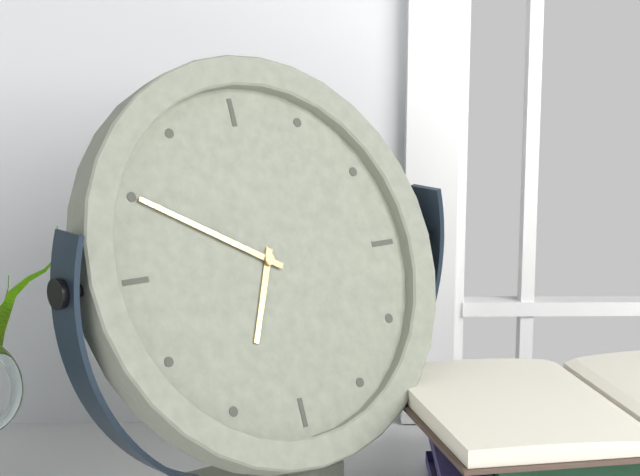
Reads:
h=6 m=50
